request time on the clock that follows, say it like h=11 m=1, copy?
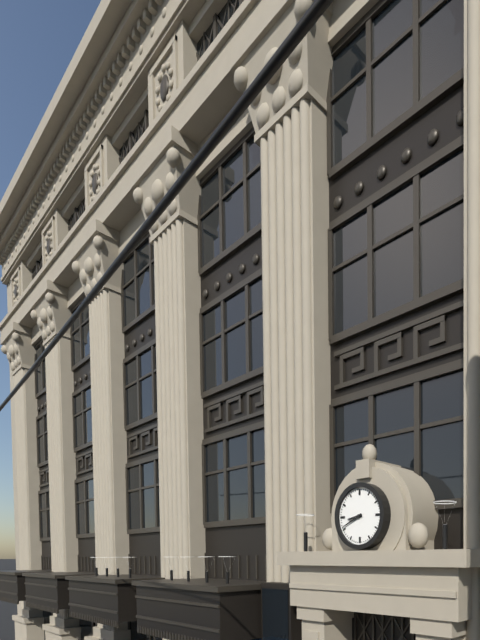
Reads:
h=8 m=41
